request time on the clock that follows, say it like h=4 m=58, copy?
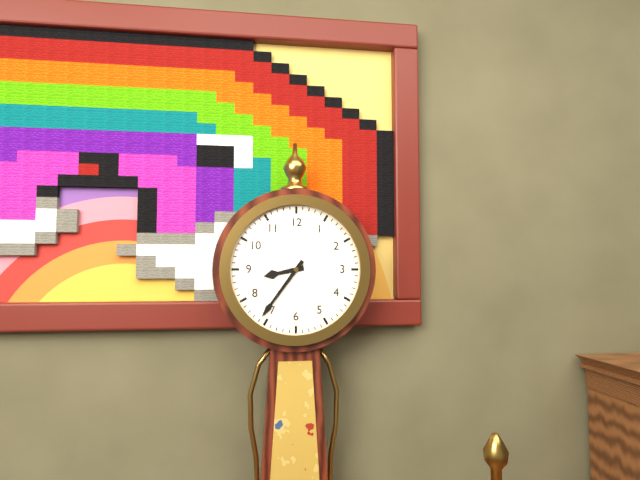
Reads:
h=8 m=36
